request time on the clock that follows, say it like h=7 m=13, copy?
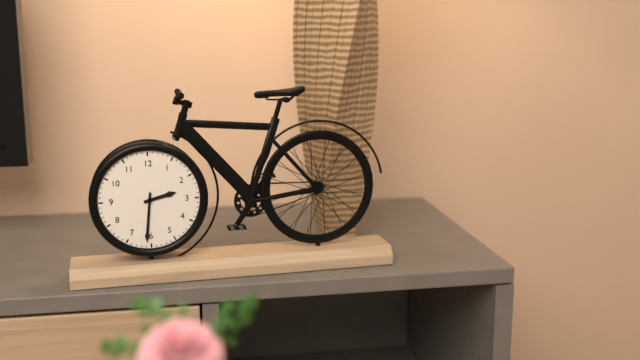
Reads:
h=2 m=31
